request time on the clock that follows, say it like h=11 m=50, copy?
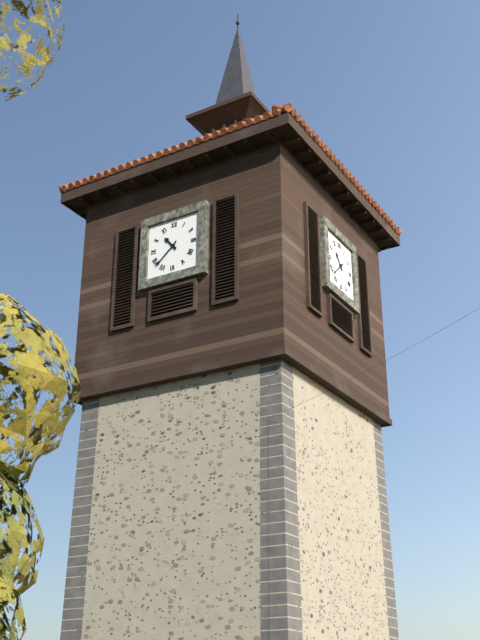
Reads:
h=10 m=38
